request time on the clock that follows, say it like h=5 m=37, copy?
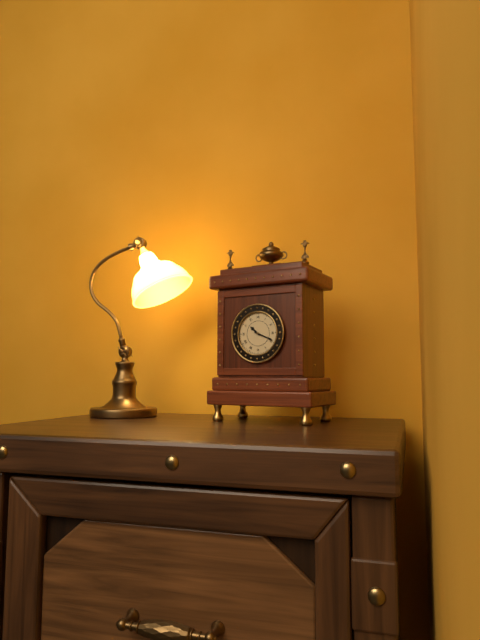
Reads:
h=10 m=19
